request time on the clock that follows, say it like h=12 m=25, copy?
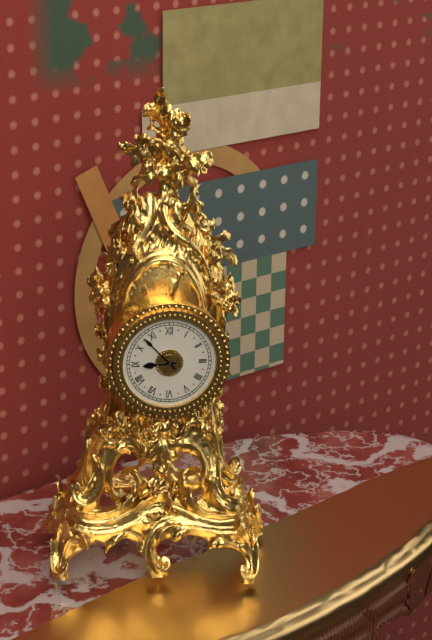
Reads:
h=8 m=53
